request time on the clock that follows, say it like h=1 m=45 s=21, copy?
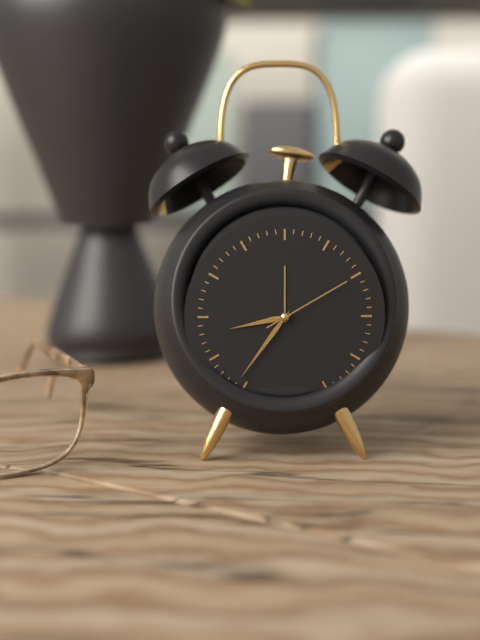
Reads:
h=8 m=36 s=10
